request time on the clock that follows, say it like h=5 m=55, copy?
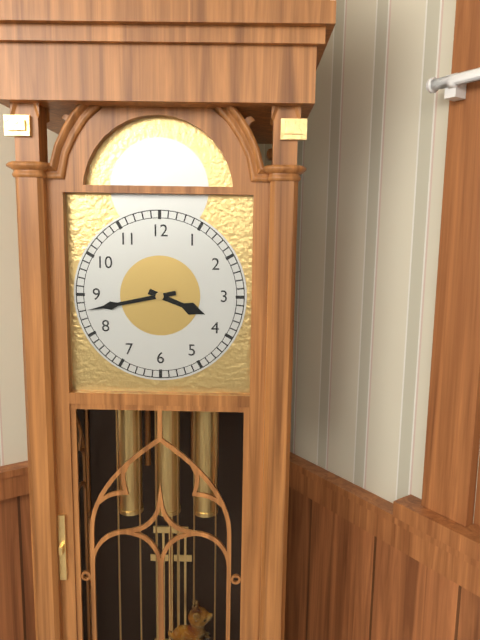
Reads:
h=3 m=43
